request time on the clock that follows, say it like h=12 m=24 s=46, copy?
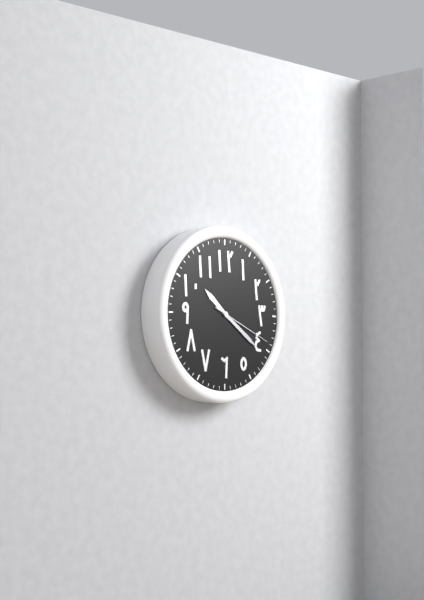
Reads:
h=10 m=21 s=19
